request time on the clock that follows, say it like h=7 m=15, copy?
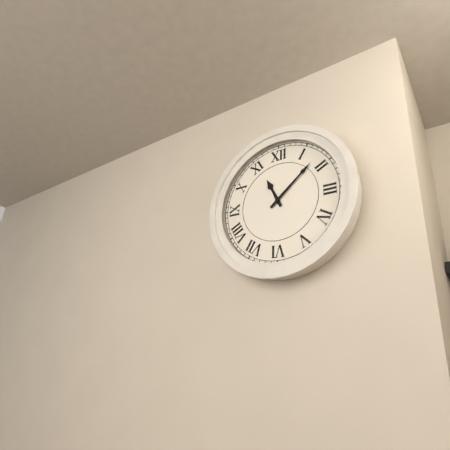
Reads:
h=11 m=8
